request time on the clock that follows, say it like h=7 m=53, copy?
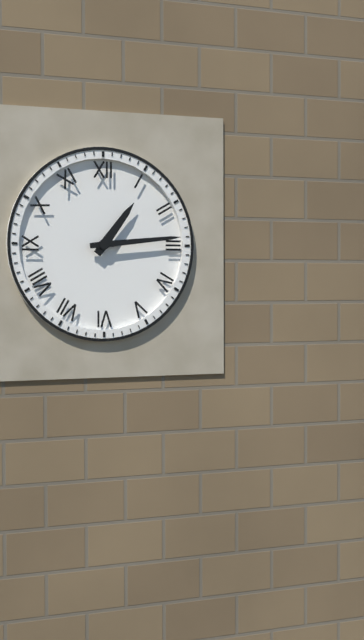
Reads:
h=1 m=14
